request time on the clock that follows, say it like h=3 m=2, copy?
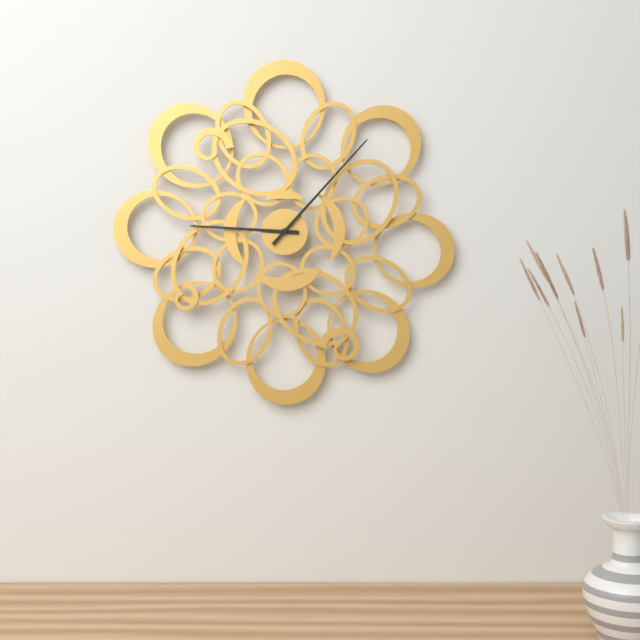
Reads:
h=9 m=7
